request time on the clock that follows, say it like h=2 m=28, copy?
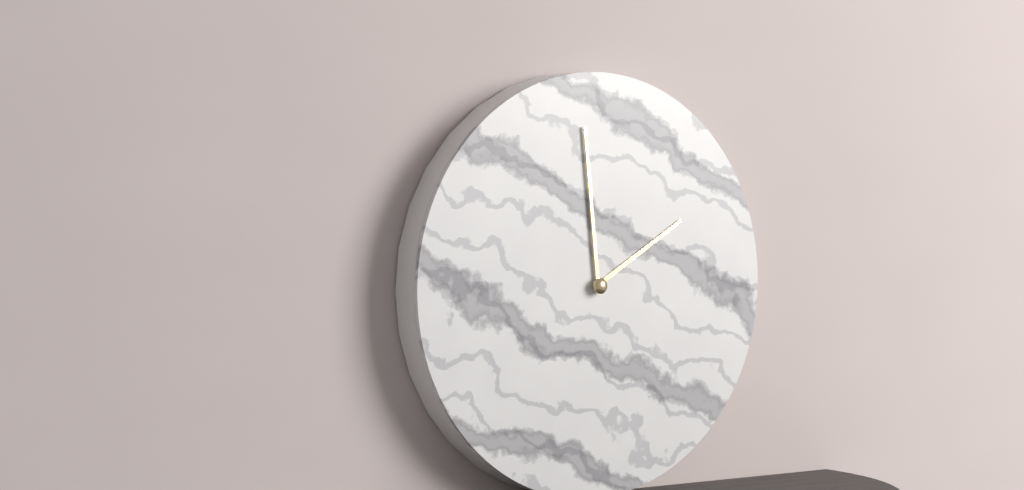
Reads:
h=1 m=59
